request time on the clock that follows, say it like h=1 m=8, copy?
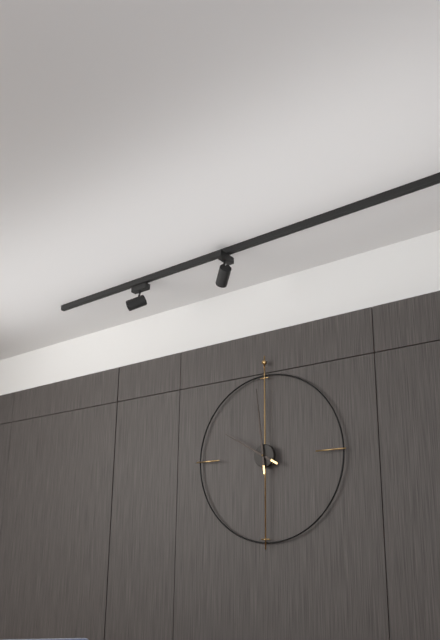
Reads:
h=9 m=59
